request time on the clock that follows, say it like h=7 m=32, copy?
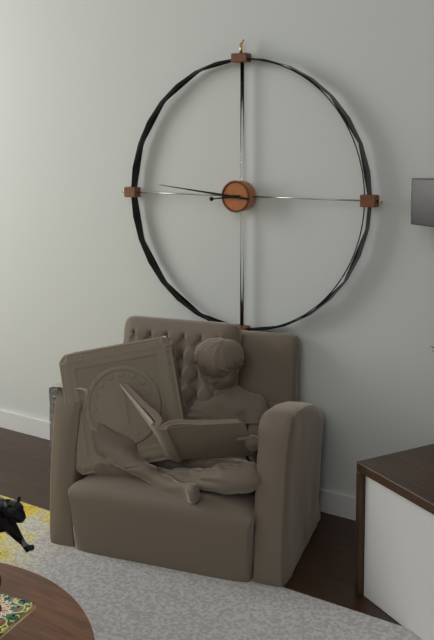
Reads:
h=8 m=46
